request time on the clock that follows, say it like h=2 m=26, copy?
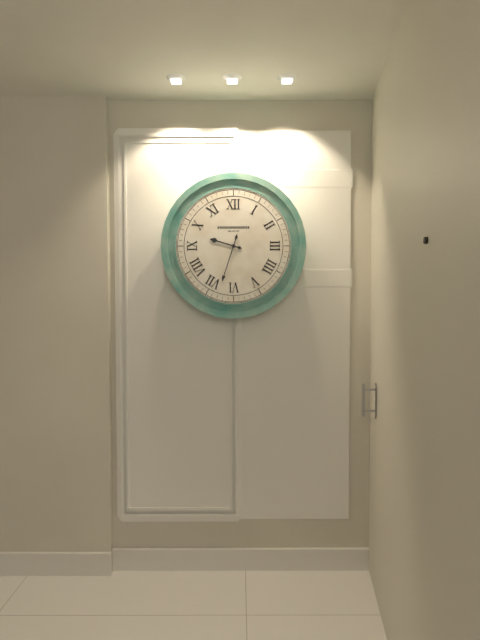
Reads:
h=9 m=33
